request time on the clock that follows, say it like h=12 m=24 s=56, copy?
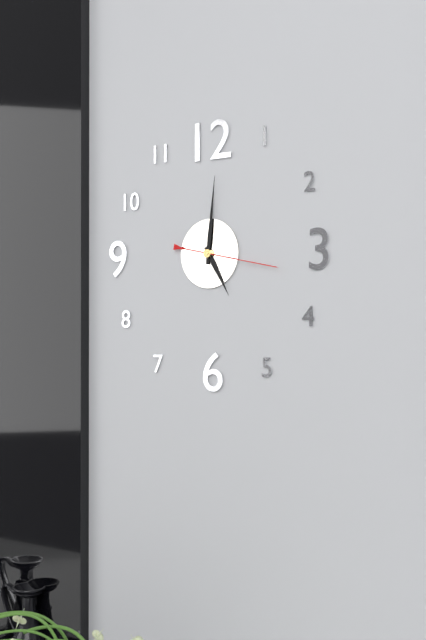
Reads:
h=5 m=1 s=17
